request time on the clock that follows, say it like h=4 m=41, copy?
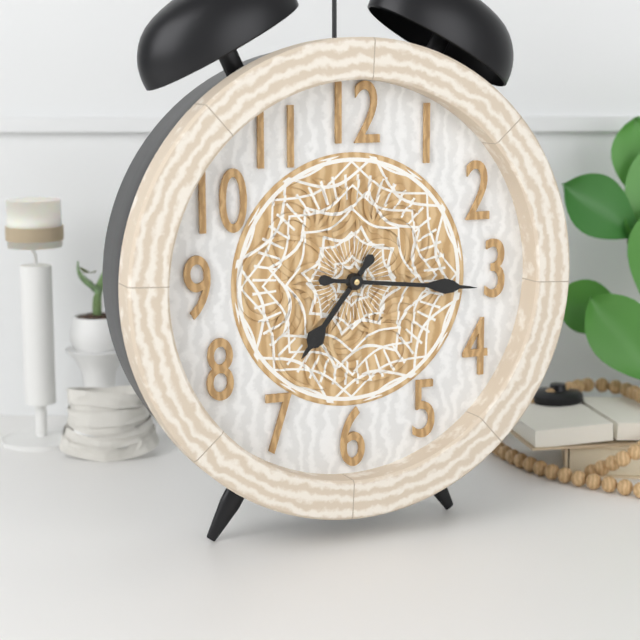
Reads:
h=7 m=16
